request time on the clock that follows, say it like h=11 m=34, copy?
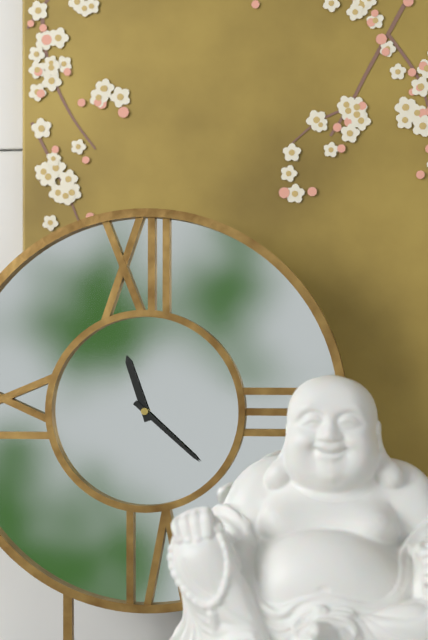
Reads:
h=11 m=22
